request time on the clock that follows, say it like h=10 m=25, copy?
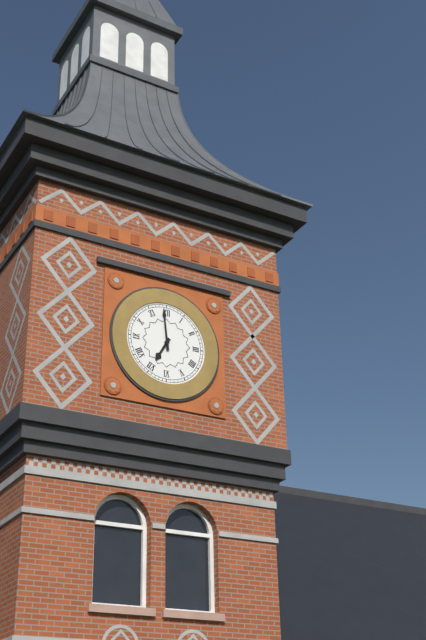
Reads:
h=6 m=59
